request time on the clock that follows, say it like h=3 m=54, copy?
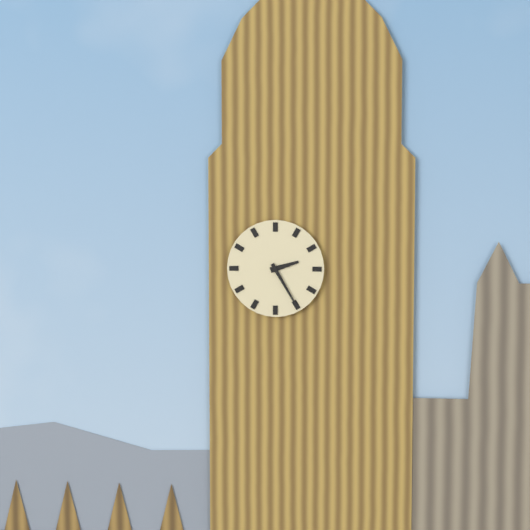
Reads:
h=2 m=25
